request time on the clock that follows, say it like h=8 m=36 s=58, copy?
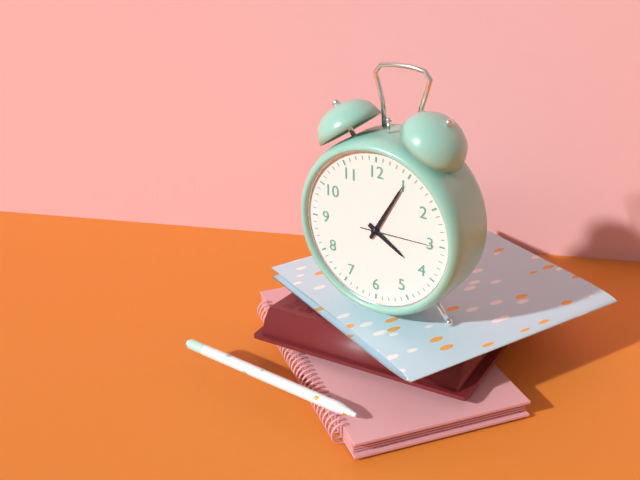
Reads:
h=4 m=5 s=15
